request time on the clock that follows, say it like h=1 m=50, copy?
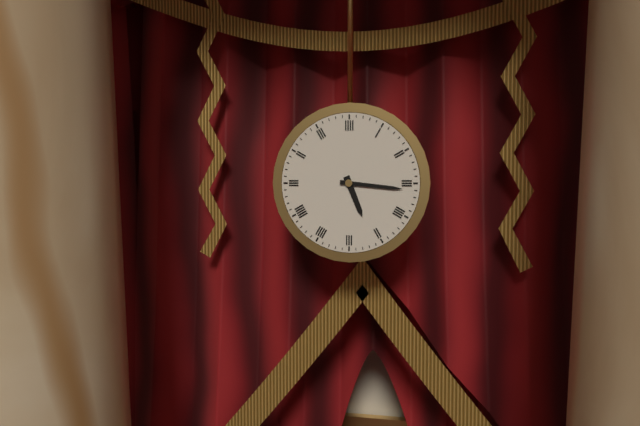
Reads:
h=5 m=16
